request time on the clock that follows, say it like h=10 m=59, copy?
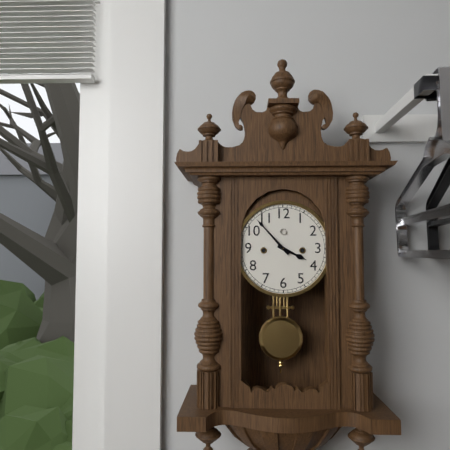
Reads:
h=3 m=53
